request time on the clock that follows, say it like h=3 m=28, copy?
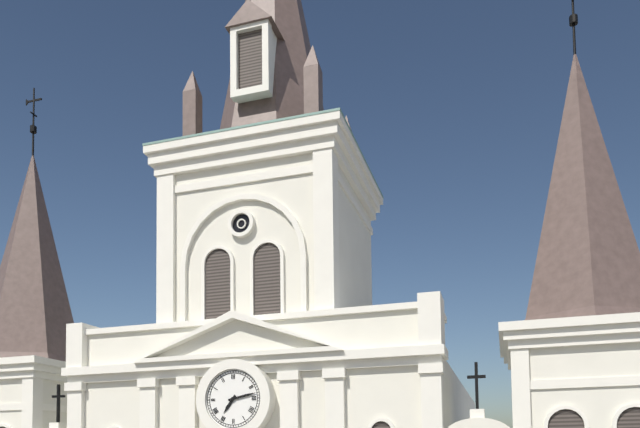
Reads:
h=7 m=13
